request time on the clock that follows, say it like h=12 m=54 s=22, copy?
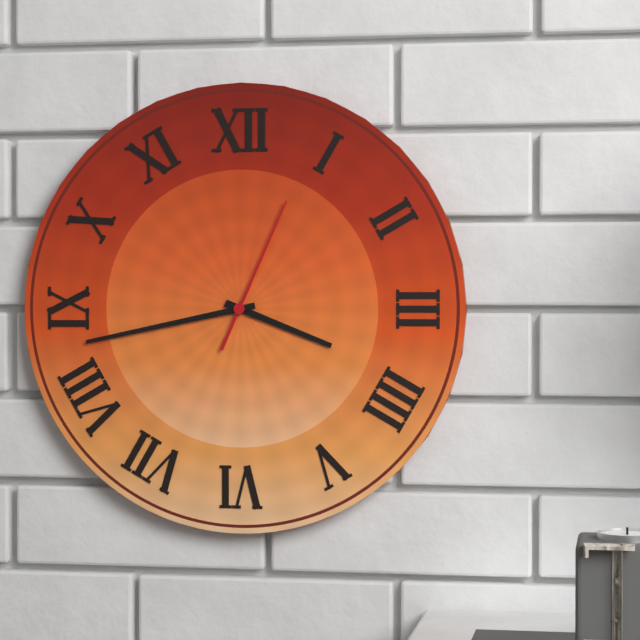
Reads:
h=3 m=43 s=4
